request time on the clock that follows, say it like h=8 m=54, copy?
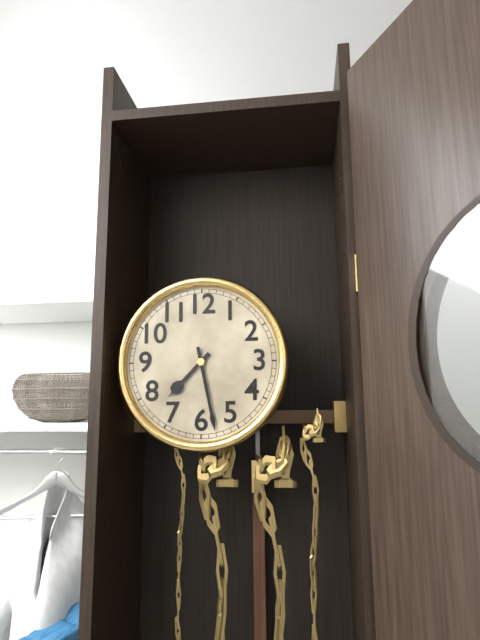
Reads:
h=7 m=28
